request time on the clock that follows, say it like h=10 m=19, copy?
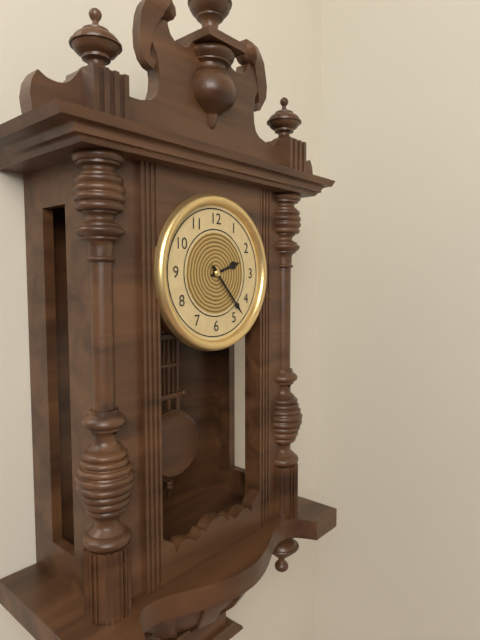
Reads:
h=2 m=23
